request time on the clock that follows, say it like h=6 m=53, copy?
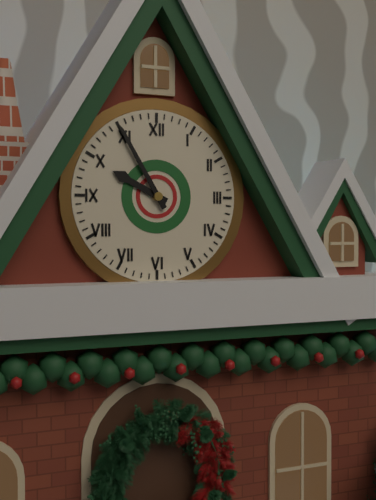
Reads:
h=9 m=55
